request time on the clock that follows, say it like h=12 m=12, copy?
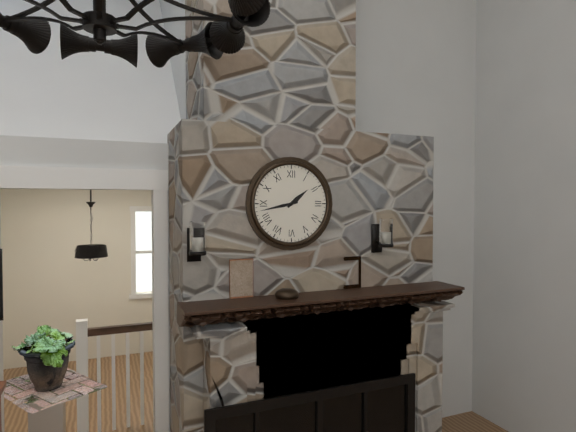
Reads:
h=1 m=43
